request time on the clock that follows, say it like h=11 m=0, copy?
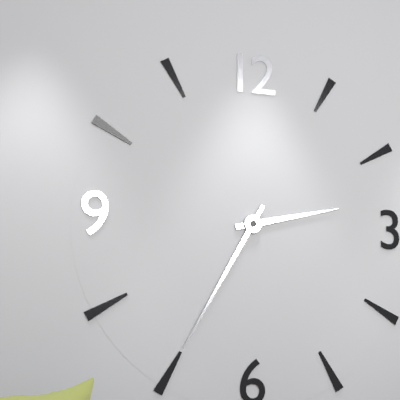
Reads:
h=2 m=35
